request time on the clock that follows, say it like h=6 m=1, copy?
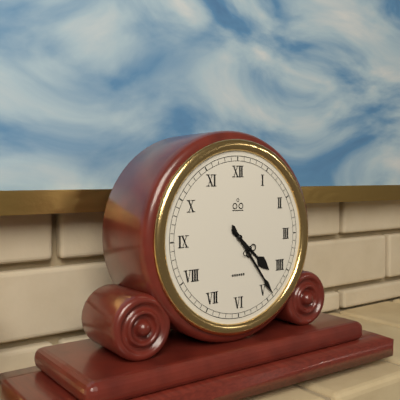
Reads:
h=4 m=24
